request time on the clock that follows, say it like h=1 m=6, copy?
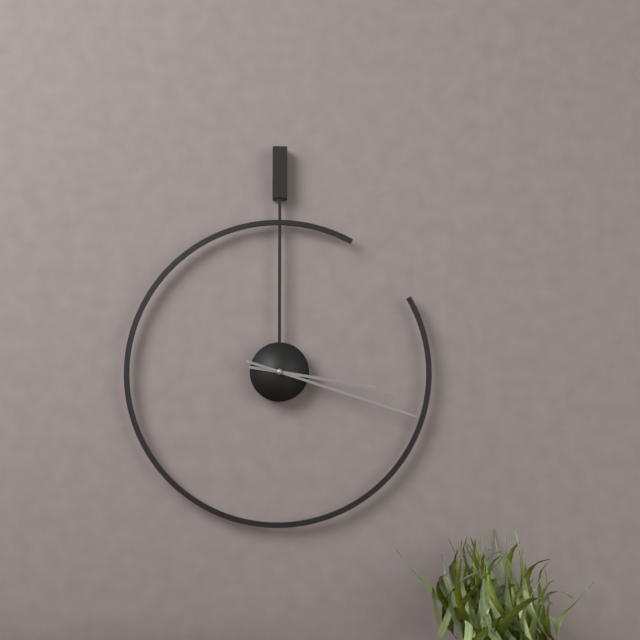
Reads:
h=3 m=18
